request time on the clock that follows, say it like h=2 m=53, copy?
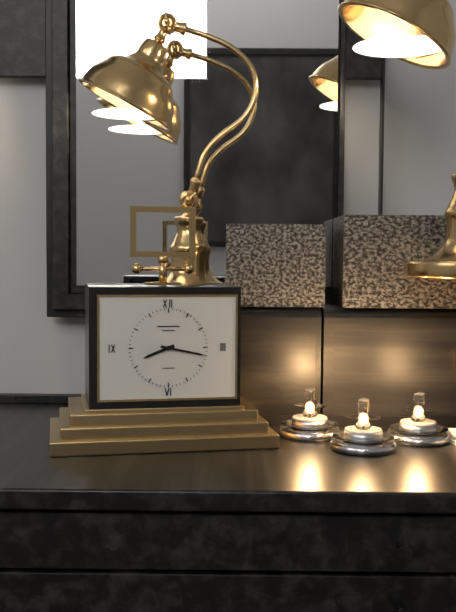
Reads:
h=8 m=17
